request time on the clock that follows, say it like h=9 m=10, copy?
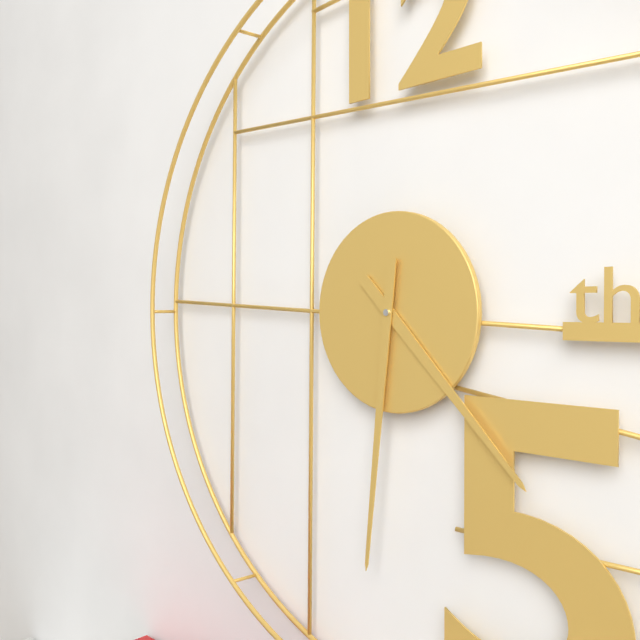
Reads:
h=4 m=31
